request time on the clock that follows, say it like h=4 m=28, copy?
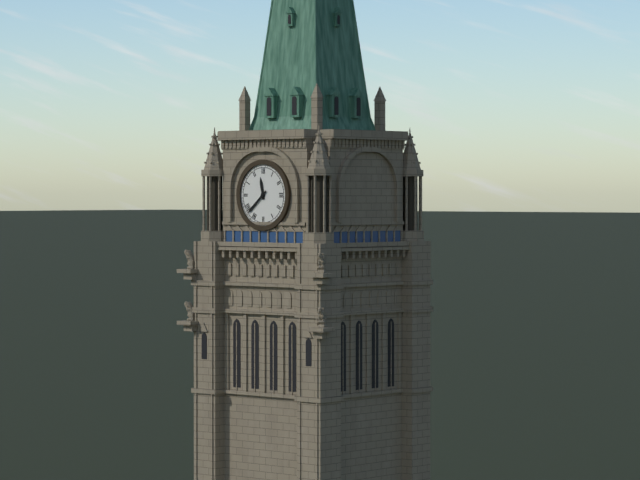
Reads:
h=11 m=38
